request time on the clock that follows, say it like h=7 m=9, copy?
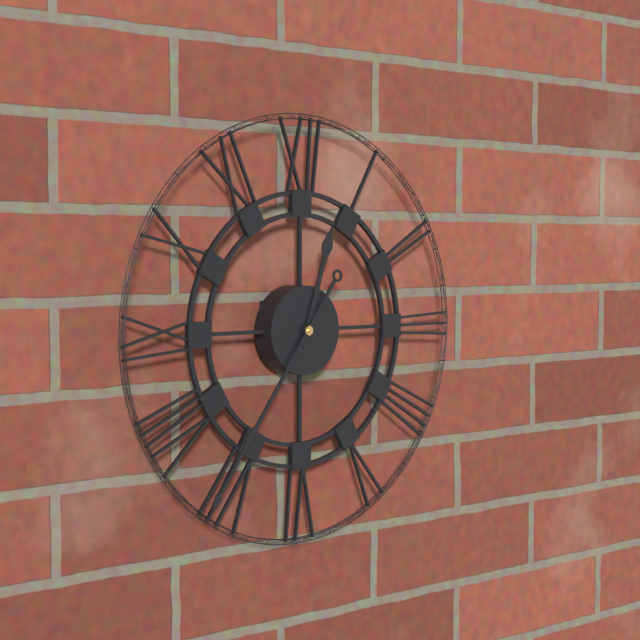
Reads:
h=12 m=36
